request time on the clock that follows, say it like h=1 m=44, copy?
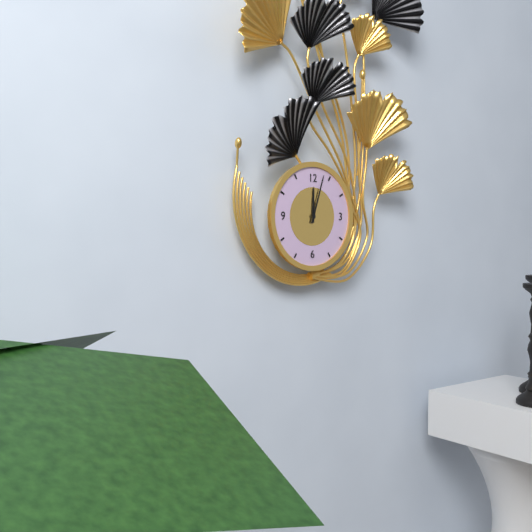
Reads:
h=12 m=3
